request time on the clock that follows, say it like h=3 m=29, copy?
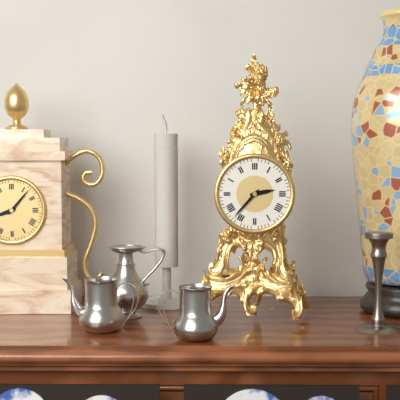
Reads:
h=2 m=37
